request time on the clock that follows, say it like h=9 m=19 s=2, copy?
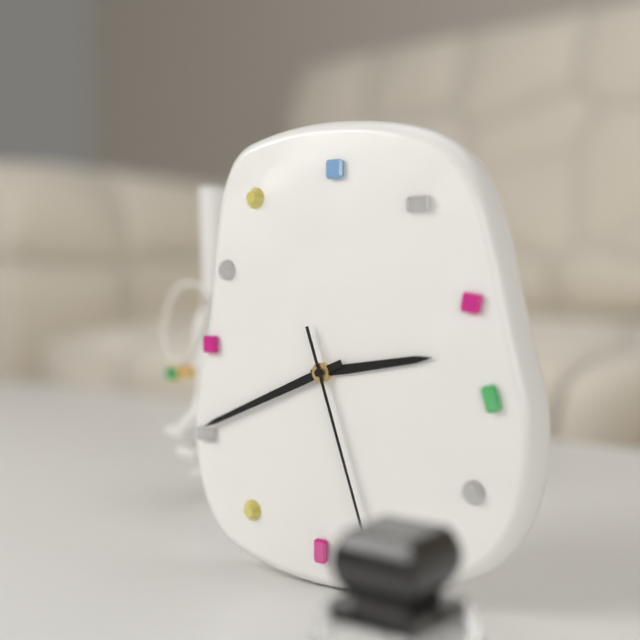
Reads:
h=2 m=41 s=27
